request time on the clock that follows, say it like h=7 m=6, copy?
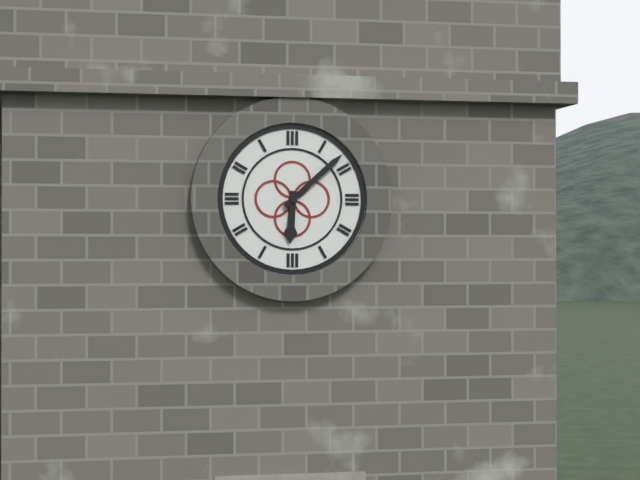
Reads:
h=6 m=8
